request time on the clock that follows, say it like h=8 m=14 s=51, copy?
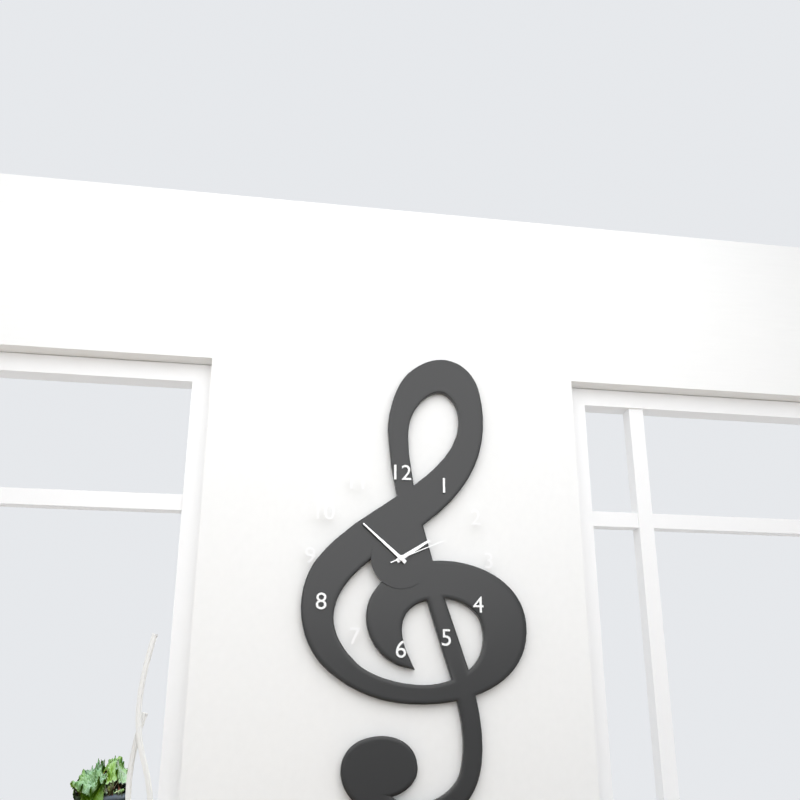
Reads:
h=1 m=52 s=11
